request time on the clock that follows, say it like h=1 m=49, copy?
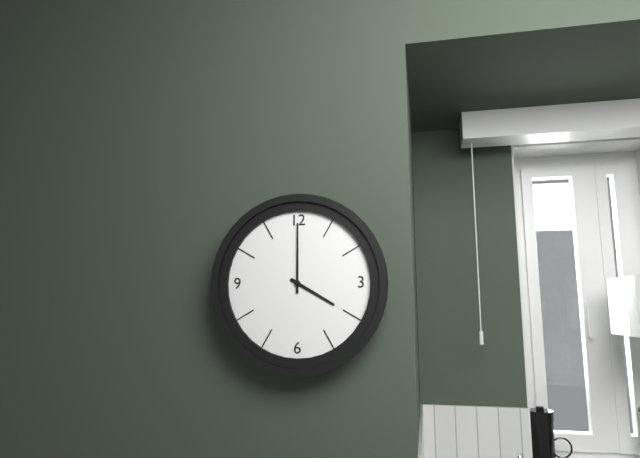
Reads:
h=4 m=0
